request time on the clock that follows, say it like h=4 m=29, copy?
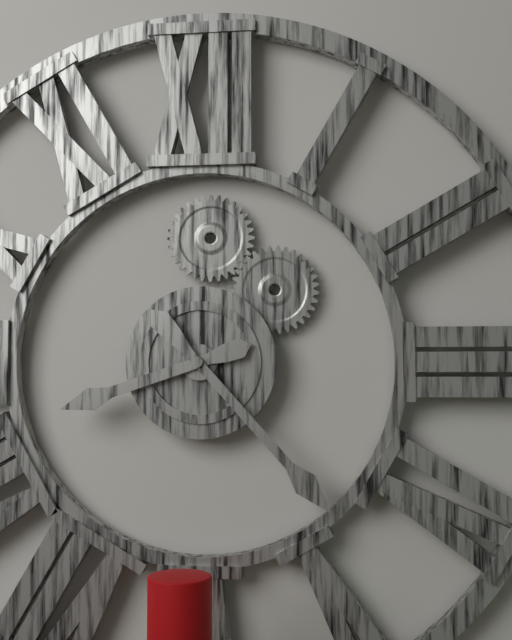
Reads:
h=8 m=23
